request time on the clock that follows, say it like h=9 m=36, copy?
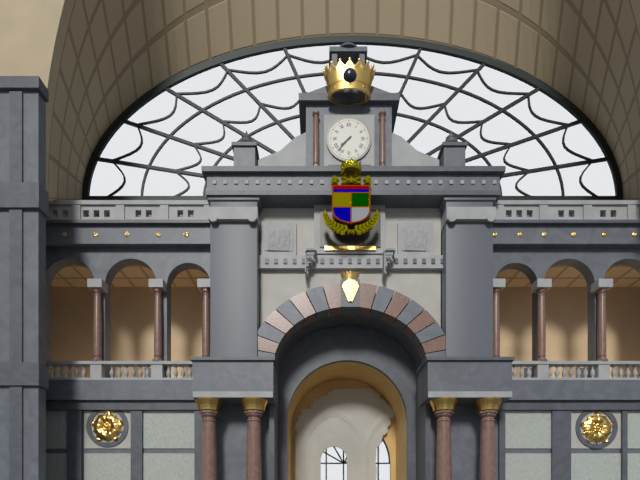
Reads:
h=7 m=37
